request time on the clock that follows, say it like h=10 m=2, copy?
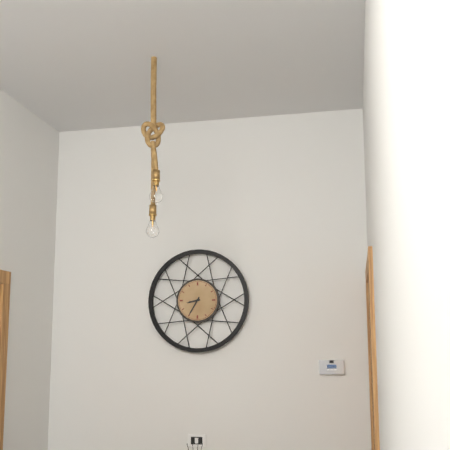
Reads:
h=8 m=35
